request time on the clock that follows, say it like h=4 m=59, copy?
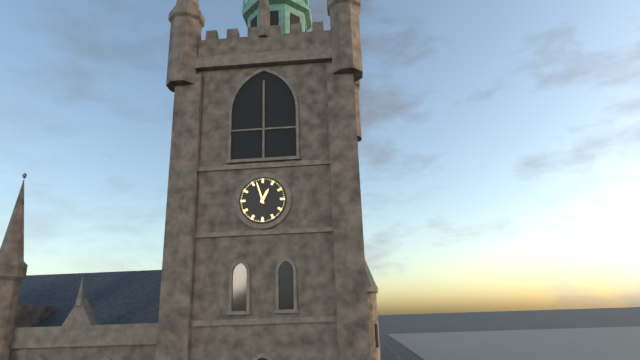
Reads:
h=12 m=57
